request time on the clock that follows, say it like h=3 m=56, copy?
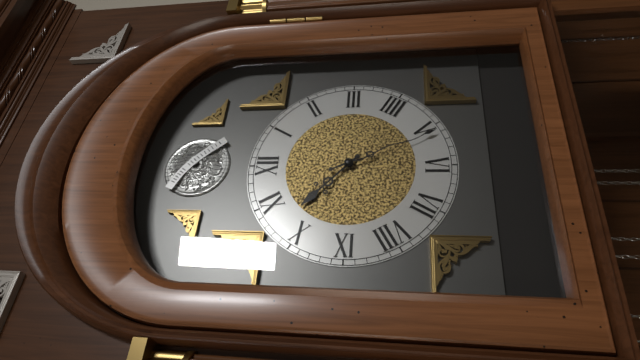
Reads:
h=10 m=26
